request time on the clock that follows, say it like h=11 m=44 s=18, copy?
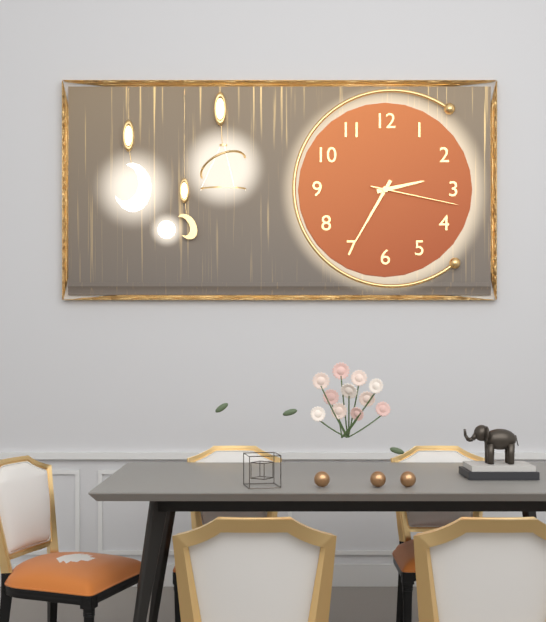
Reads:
h=2 m=35 s=17
